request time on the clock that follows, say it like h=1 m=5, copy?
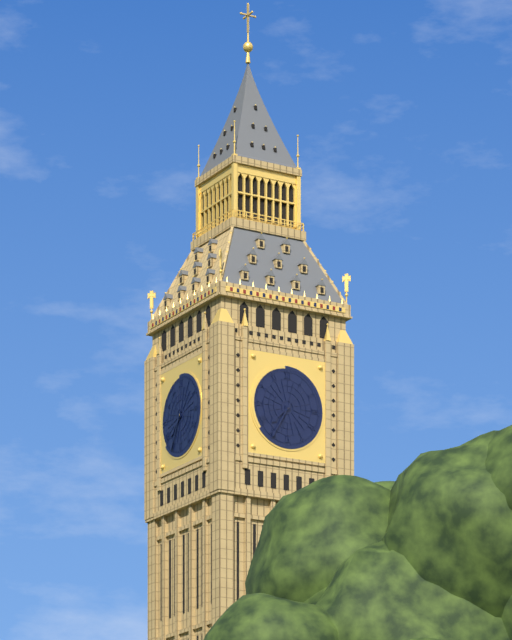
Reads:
h=7 m=35
